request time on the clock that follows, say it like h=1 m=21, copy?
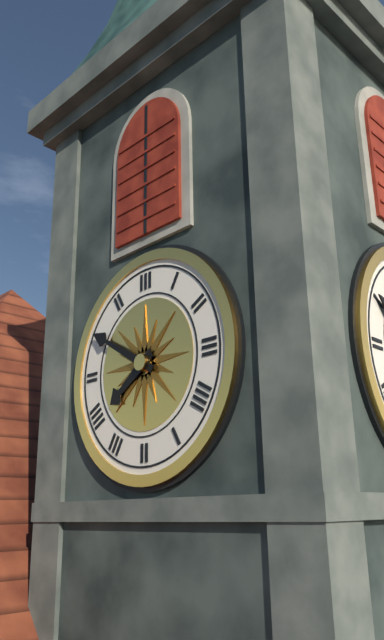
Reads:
h=7 m=50
